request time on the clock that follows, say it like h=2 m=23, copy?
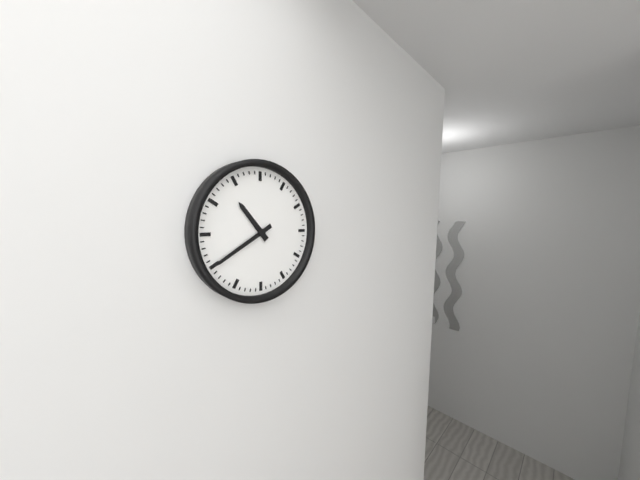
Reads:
h=10 m=40
